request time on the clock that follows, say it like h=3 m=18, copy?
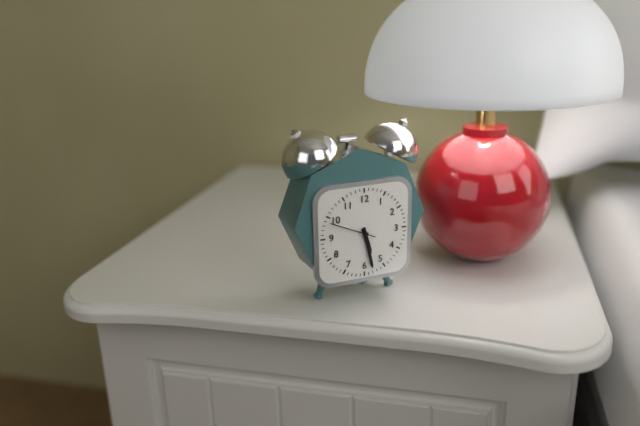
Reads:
h=5 m=28
